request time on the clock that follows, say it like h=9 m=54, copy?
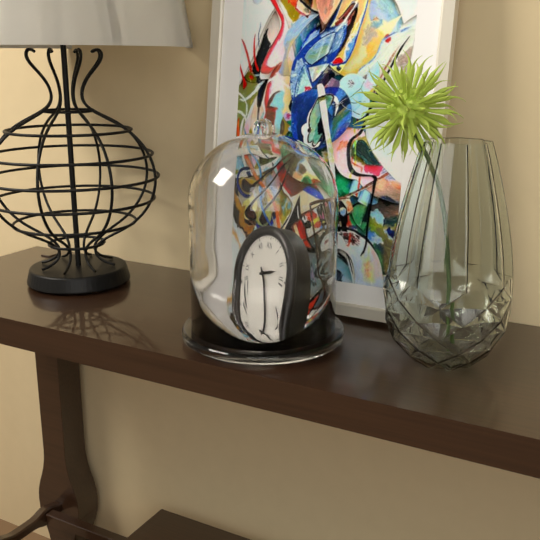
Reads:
h=2 m=24
